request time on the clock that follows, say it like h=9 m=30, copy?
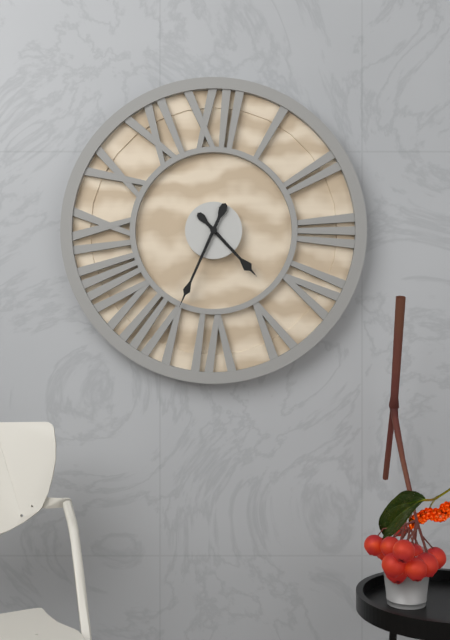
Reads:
h=4 m=34
